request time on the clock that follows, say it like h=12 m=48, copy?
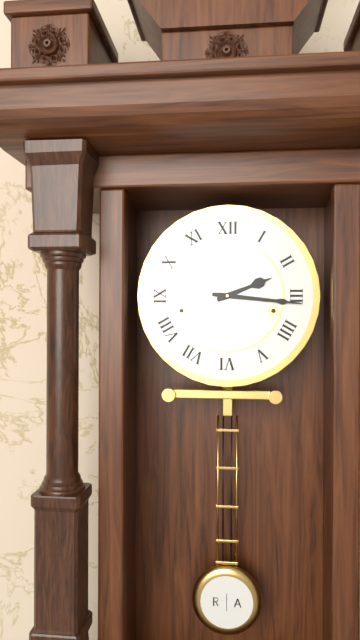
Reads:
h=2 m=16
